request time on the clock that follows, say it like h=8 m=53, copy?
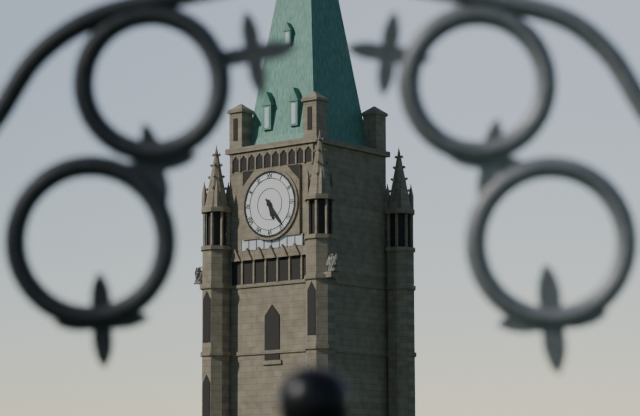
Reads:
h=5 m=24
